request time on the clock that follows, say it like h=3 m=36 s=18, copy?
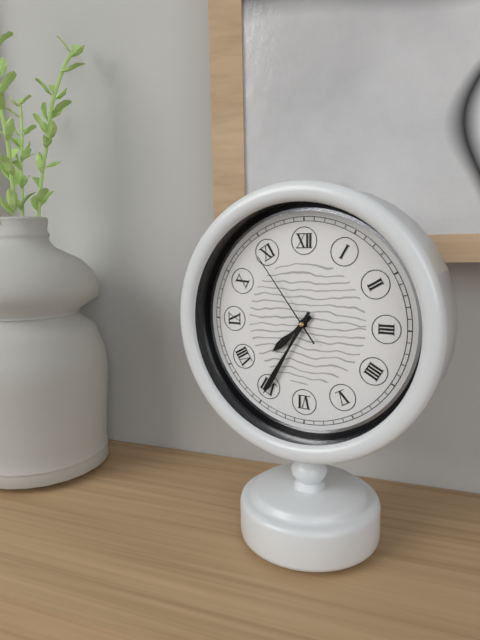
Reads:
h=7 m=35 s=54
